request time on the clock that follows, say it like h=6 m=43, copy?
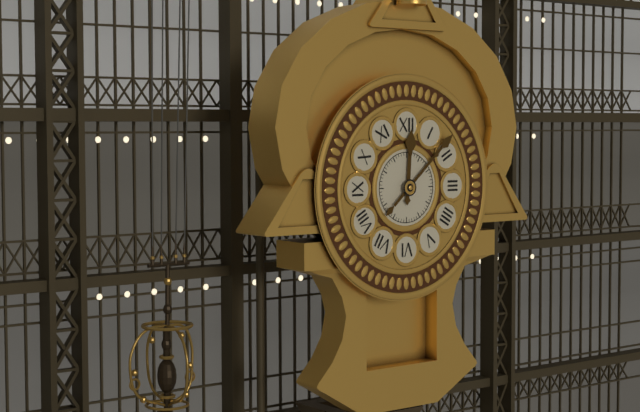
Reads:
h=12 m=8
